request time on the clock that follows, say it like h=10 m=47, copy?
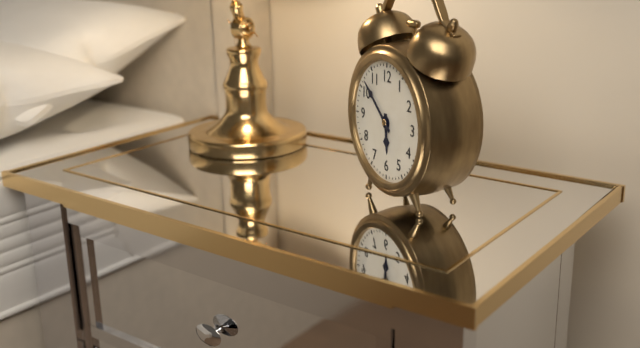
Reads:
h=5 m=52
